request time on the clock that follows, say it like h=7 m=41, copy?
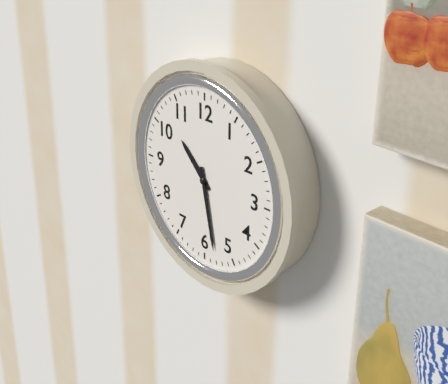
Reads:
h=10 m=28
